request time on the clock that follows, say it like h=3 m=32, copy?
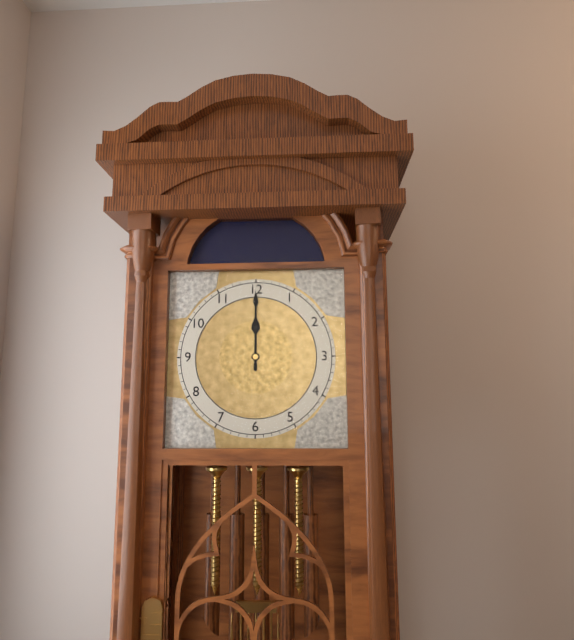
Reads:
h=12 m=0
